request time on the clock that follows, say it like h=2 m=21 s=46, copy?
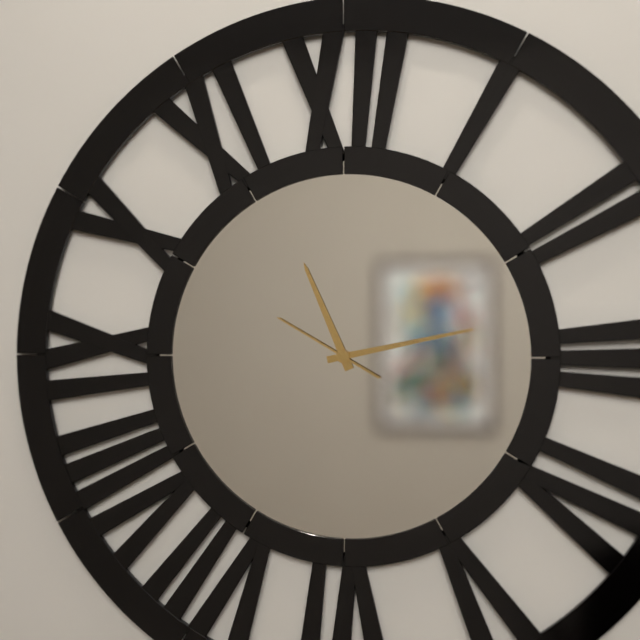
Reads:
h=11 m=13 s=50
